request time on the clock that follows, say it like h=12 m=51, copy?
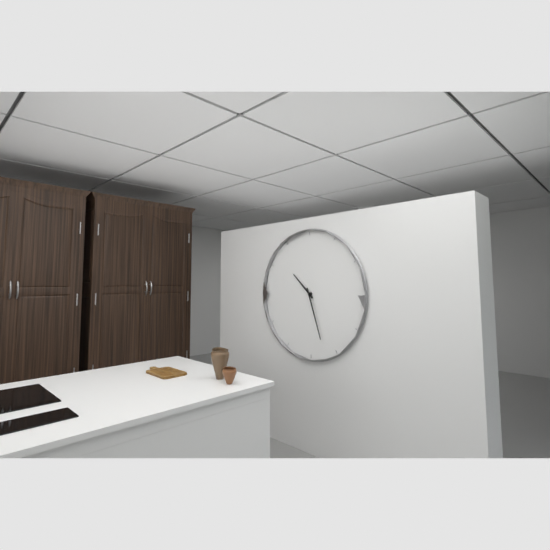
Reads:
h=10 m=27
